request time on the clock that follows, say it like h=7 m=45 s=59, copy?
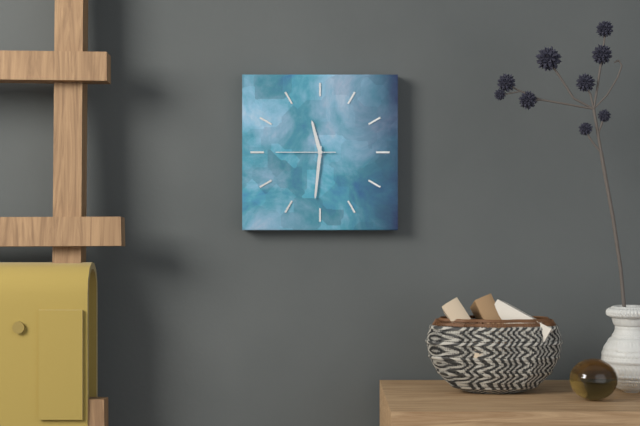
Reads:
h=11 m=31 s=45
